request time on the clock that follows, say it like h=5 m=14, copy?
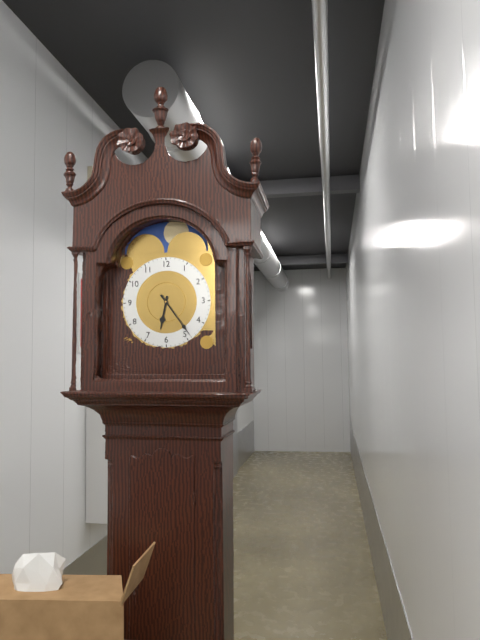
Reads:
h=6 m=24
